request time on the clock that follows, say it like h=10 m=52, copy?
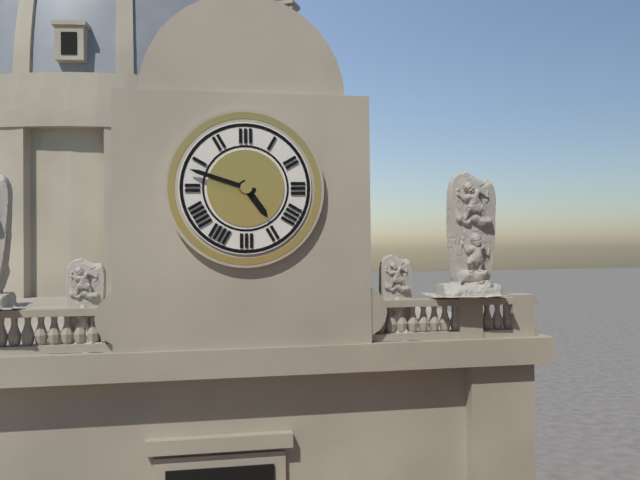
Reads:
h=4 m=48
